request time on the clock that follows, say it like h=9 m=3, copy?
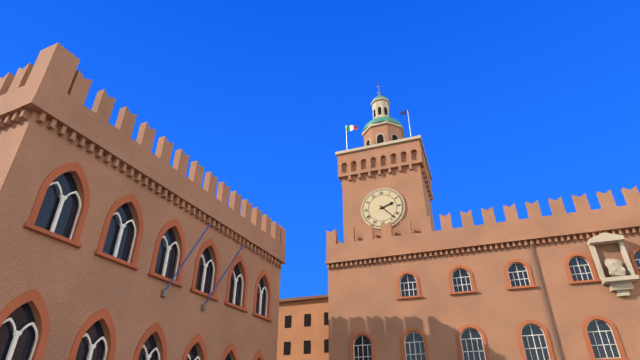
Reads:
h=2 m=23
